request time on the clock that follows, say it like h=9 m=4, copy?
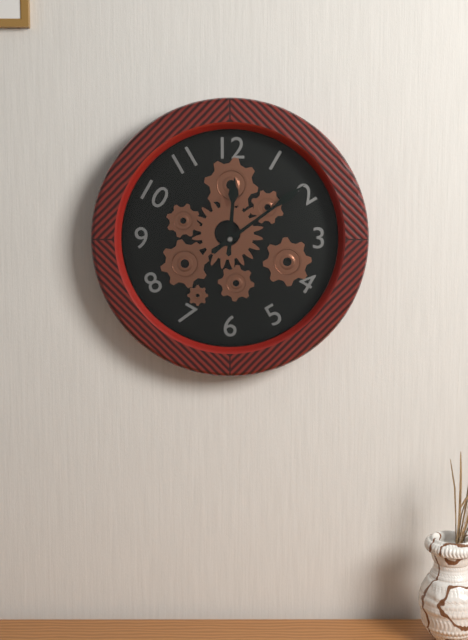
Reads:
h=12 m=9
